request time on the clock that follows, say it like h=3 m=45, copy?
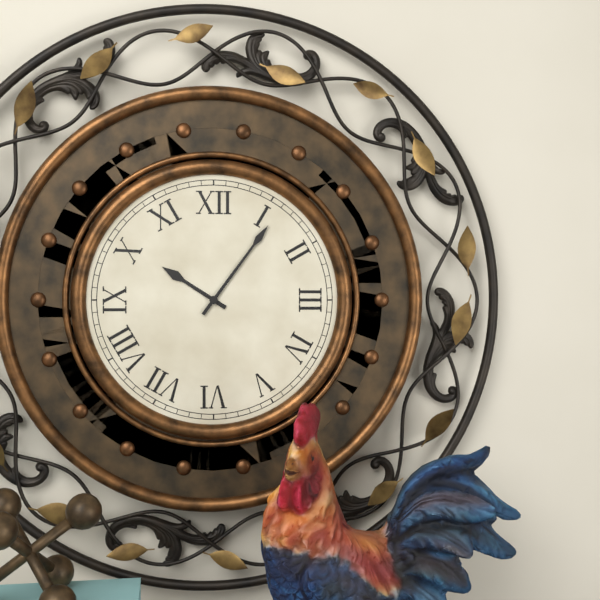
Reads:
h=10 m=6
